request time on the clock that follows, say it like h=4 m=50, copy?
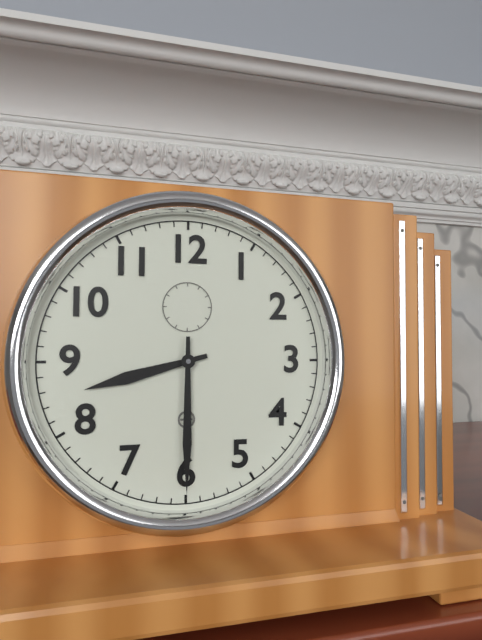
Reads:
h=8 m=30
